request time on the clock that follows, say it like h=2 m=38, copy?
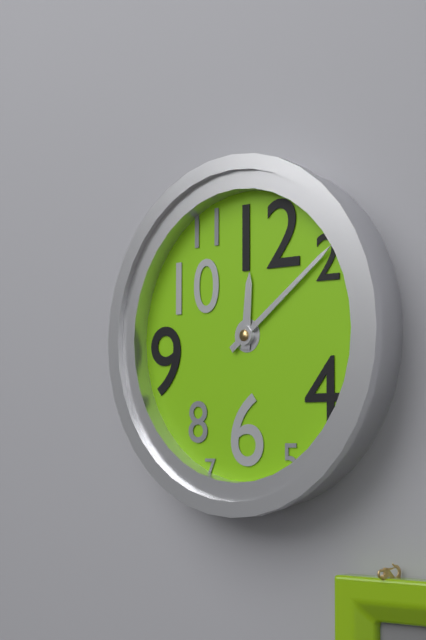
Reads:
h=12 m=9
